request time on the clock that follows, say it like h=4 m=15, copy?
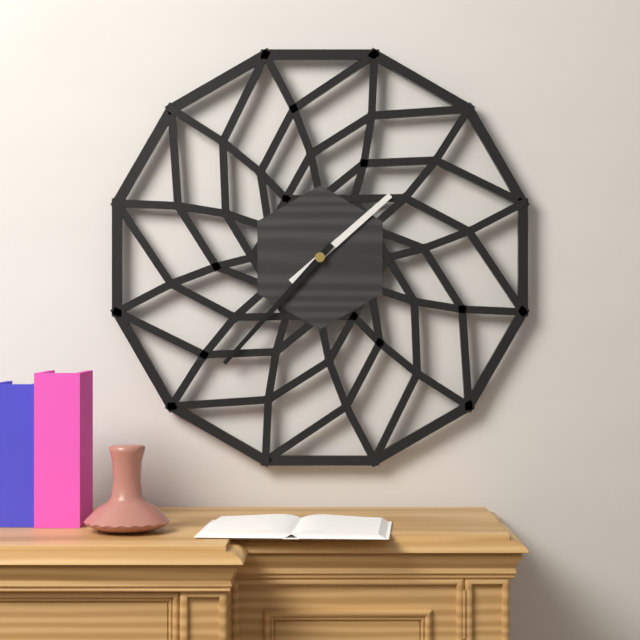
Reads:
h=1 m=37
